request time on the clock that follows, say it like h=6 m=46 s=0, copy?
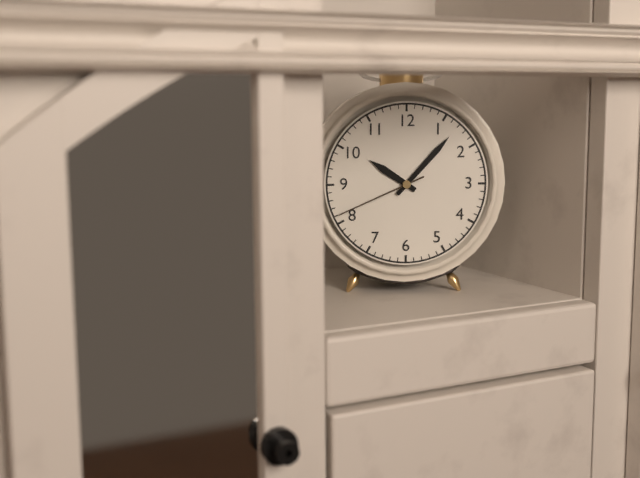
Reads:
h=10 m=7 s=41
